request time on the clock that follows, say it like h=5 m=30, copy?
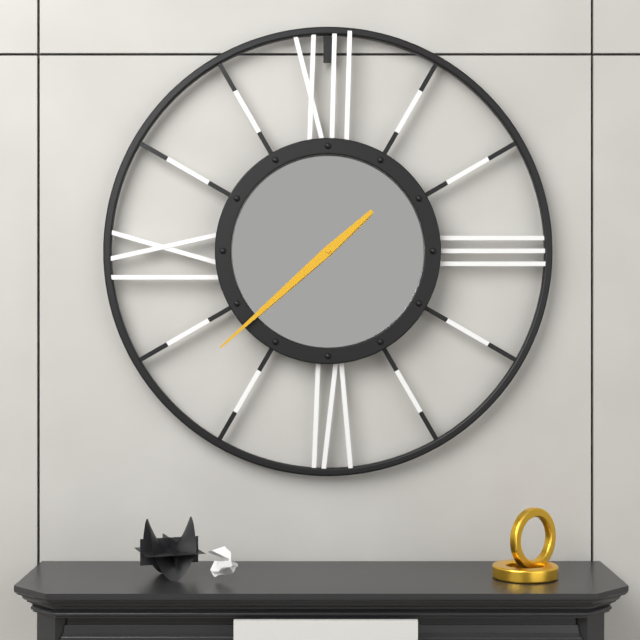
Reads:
h=7 m=38
